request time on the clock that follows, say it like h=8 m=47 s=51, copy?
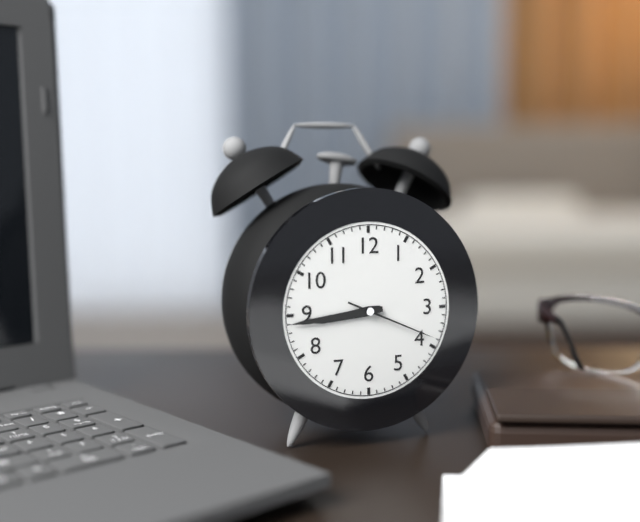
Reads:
h=8 m=44 s=19
